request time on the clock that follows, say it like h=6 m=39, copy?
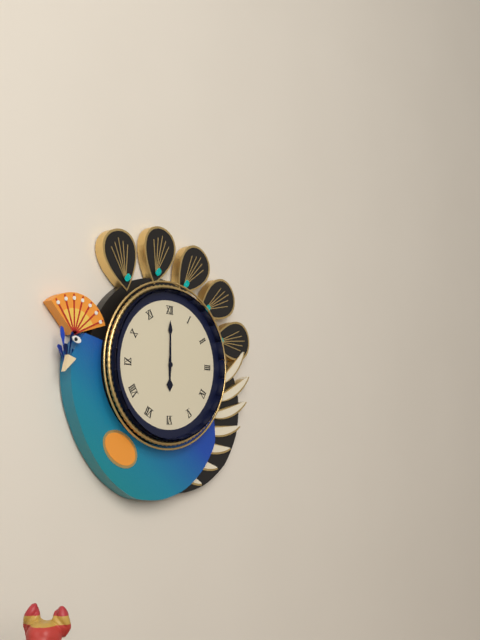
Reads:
h=6 m=0
